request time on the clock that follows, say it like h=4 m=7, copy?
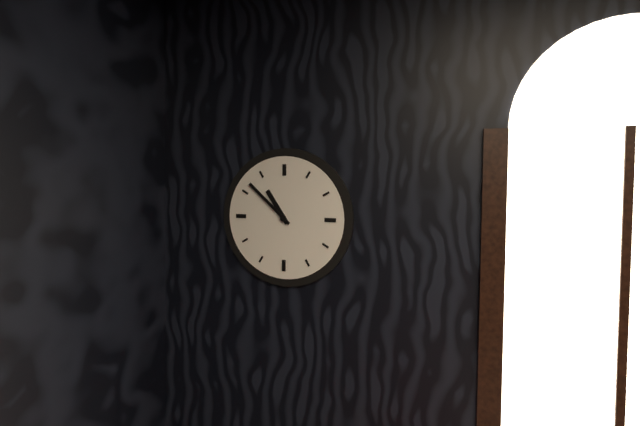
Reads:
h=10 m=52
